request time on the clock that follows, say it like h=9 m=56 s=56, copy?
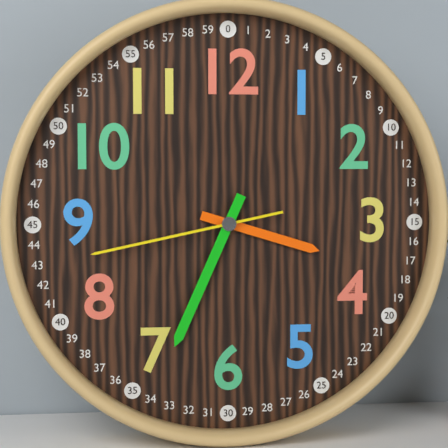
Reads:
h=3 m=34 s=43
